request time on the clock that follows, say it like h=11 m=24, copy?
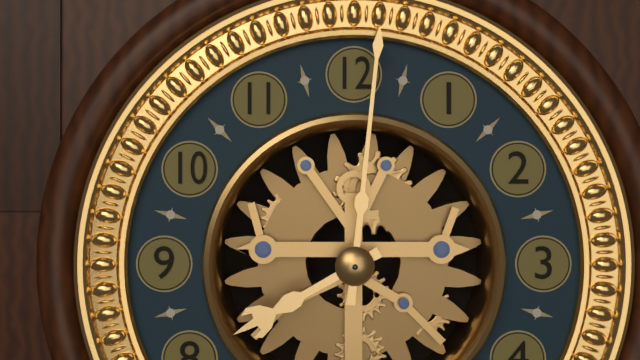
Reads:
h=8 m=1
